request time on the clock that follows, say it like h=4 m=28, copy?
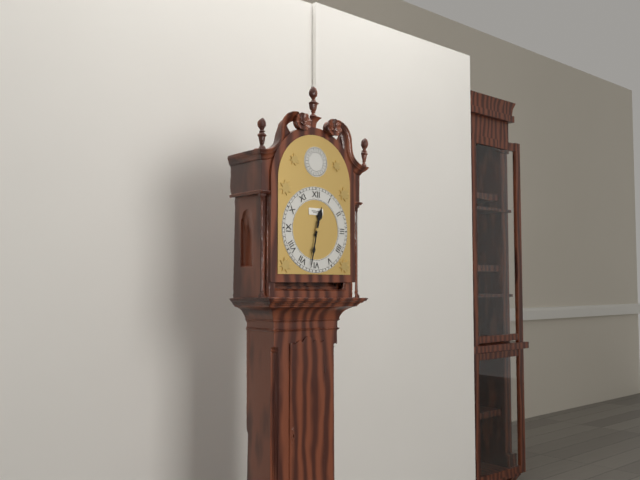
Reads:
h=12 m=32
